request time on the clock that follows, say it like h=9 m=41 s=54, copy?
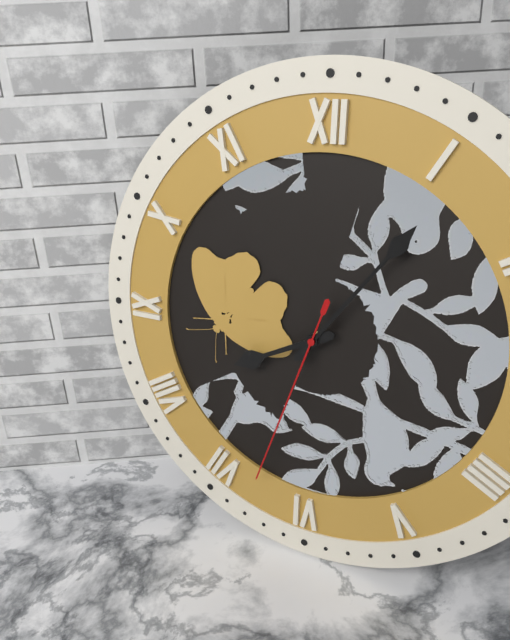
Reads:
h=8 m=6 s=33
